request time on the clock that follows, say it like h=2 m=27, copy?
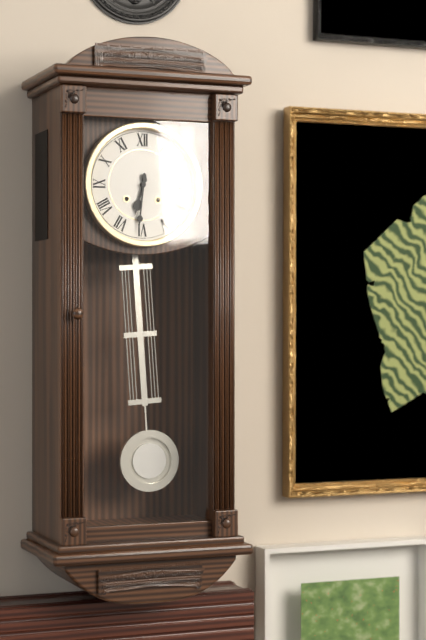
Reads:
h=6 m=31
